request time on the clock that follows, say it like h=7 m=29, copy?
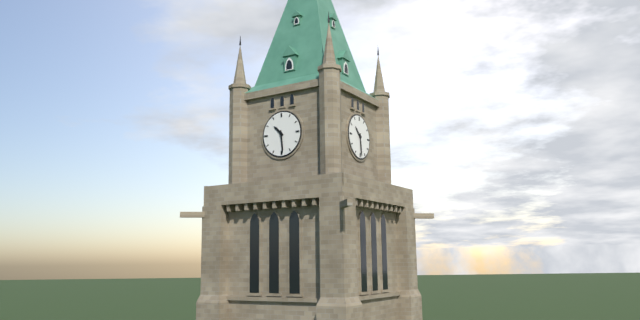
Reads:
h=10 m=29
